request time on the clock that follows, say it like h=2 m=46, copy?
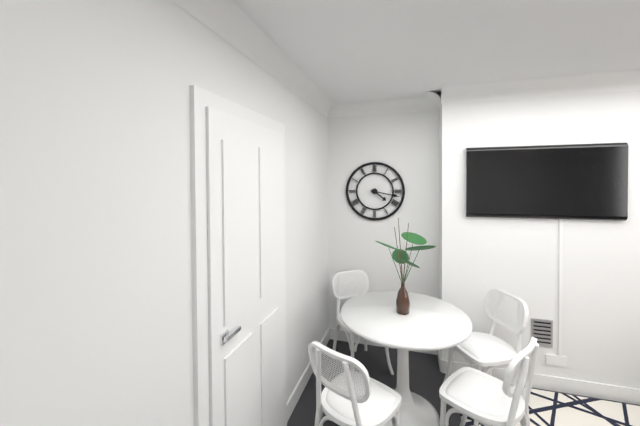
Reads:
h=4 m=17
